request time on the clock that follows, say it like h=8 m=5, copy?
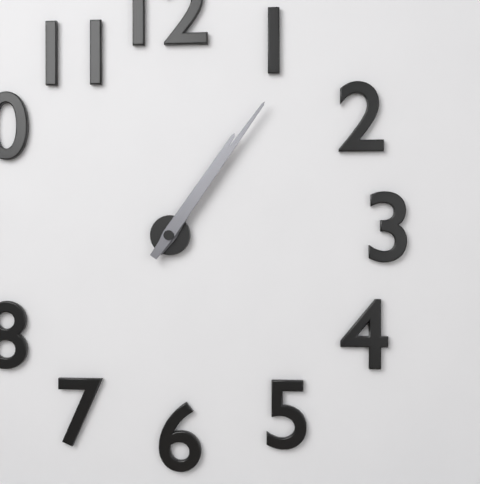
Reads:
h=1 m=6
